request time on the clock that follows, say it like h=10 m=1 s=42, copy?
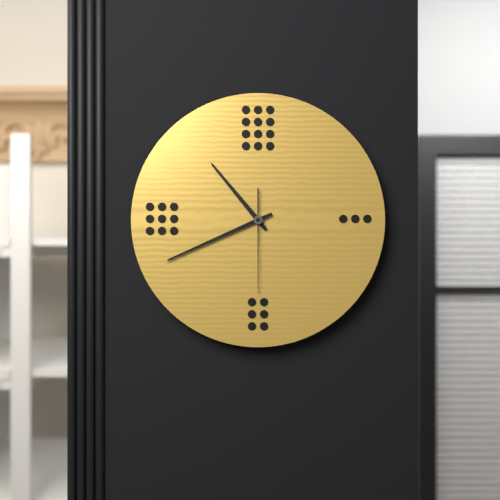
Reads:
h=10 m=41 s=30
